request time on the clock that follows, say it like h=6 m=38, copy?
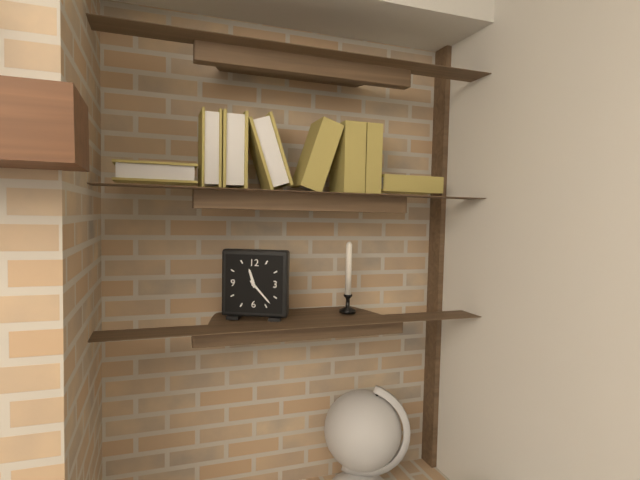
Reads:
h=11 m=23
